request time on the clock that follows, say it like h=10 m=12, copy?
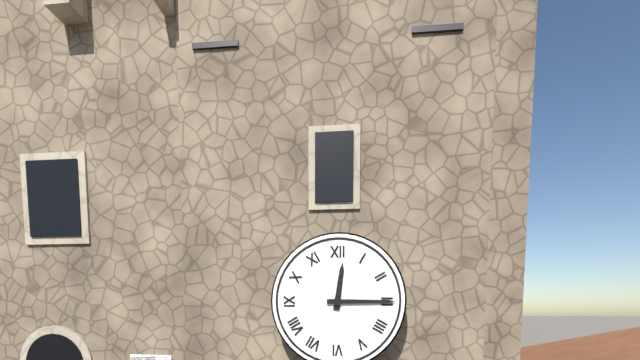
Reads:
h=12 m=15
